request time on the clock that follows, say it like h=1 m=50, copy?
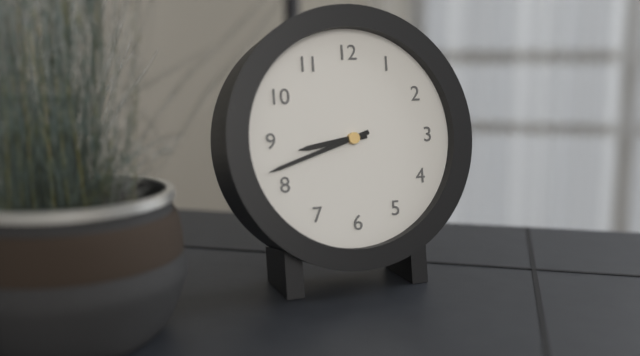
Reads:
h=8 m=42
